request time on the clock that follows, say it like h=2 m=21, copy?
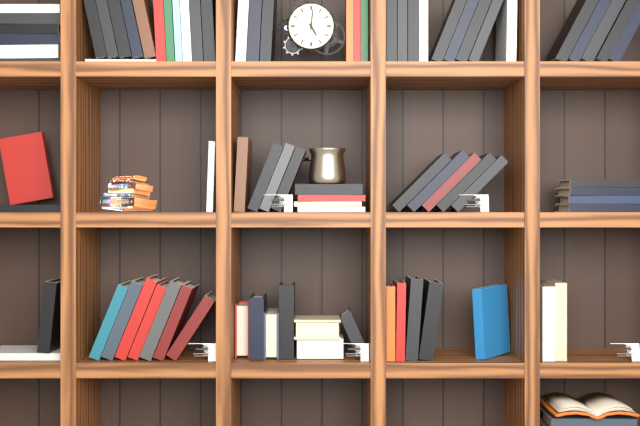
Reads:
h=5 m=1
